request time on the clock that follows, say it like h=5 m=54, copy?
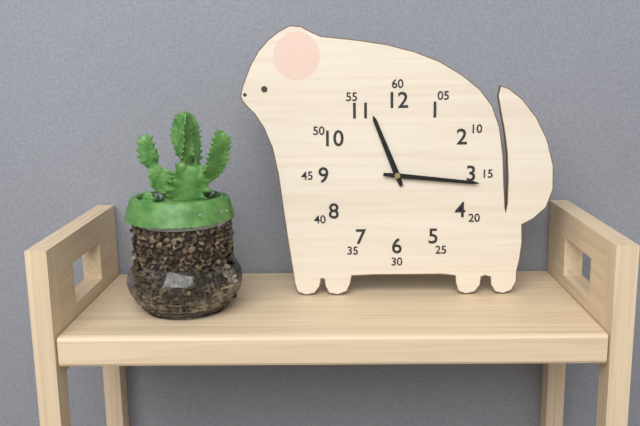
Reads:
h=11 m=16
